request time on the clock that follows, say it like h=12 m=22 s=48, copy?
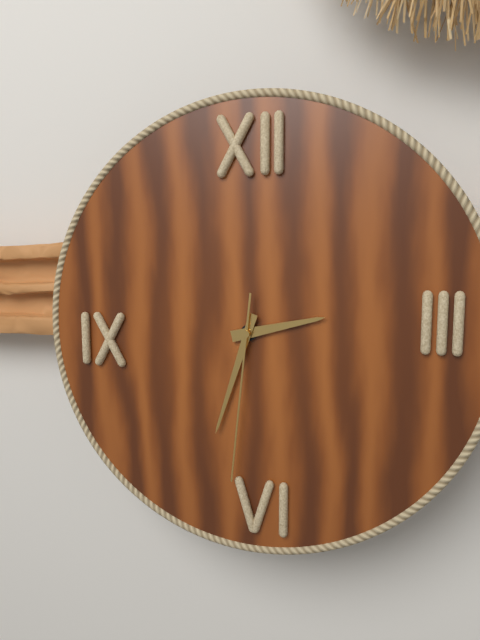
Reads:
h=2 m=33 s=31
